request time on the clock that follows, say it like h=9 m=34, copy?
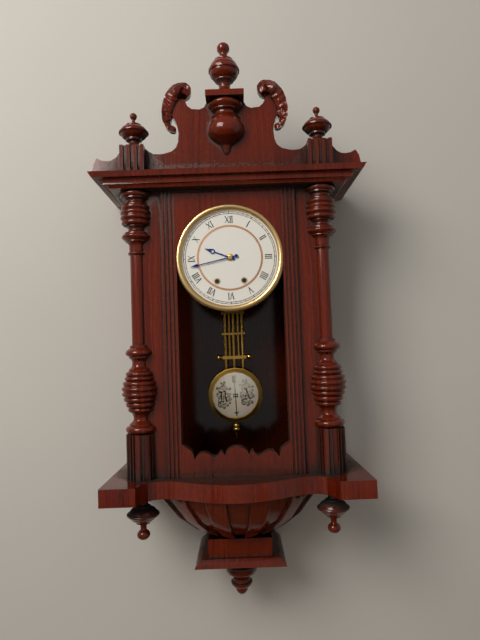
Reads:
h=9 m=43
